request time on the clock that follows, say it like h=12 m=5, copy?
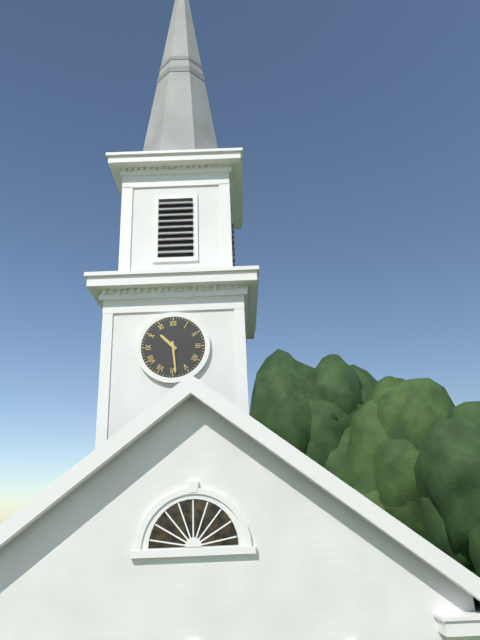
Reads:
h=10 m=29
